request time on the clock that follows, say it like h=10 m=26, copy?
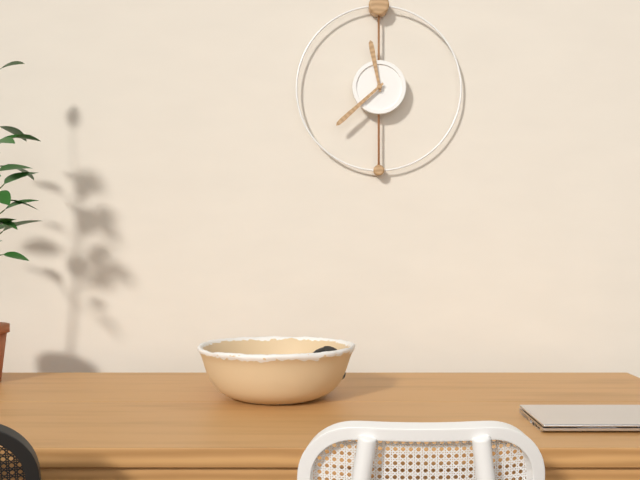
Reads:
h=11 m=38
